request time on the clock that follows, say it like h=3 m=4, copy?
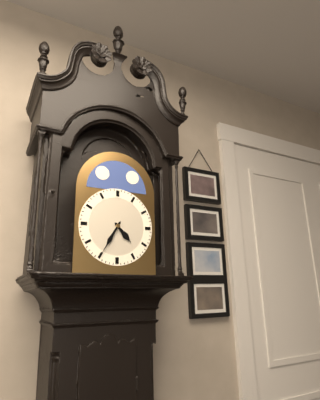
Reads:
h=4 m=35
